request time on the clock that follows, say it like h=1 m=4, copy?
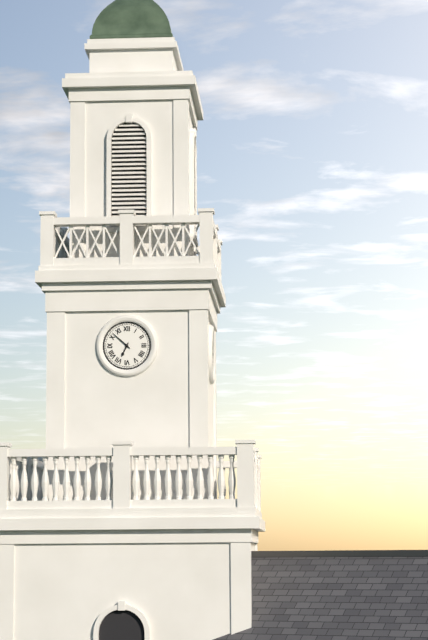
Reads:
h=6 m=52
